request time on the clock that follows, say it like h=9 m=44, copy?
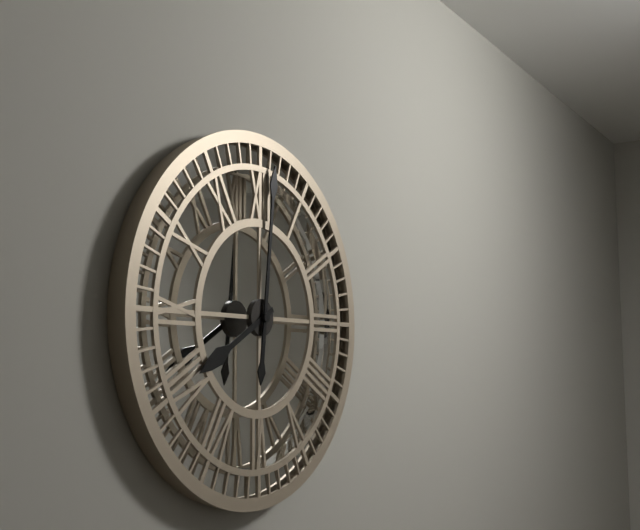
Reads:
h=8 m=1
